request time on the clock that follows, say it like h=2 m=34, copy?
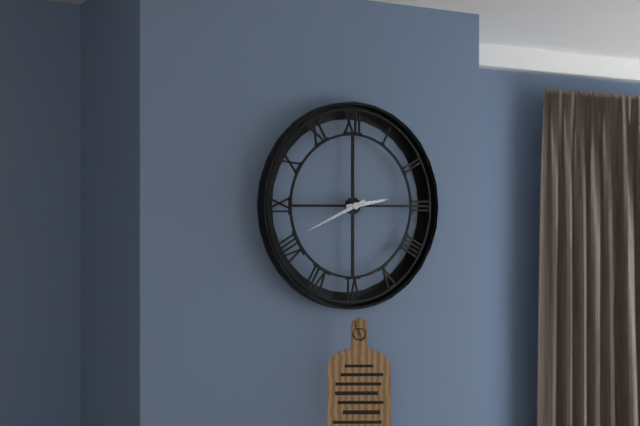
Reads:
h=2 m=41
